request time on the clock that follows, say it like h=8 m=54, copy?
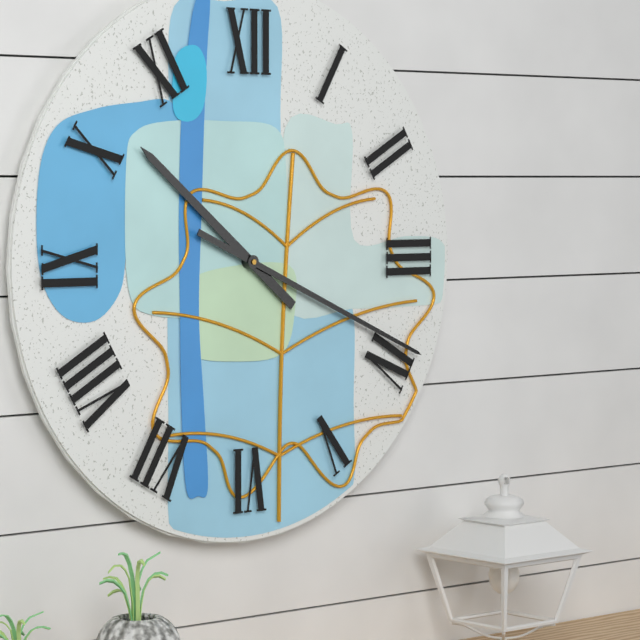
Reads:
h=10 m=19
